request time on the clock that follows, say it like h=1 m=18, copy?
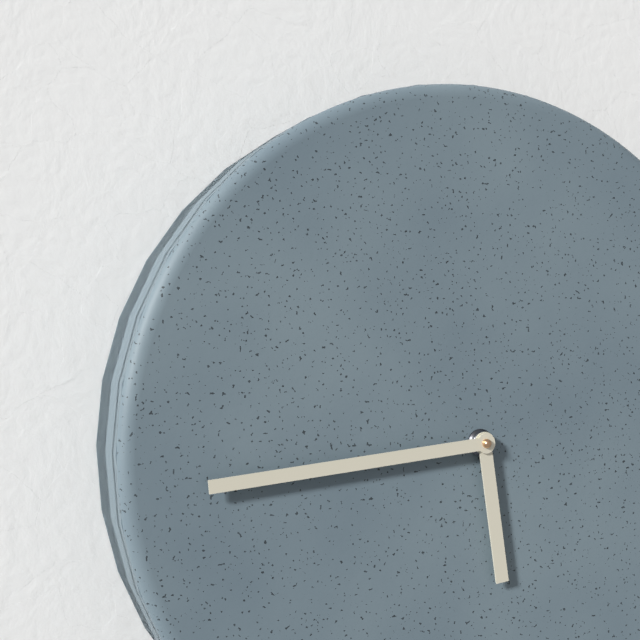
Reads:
h=5 m=44
